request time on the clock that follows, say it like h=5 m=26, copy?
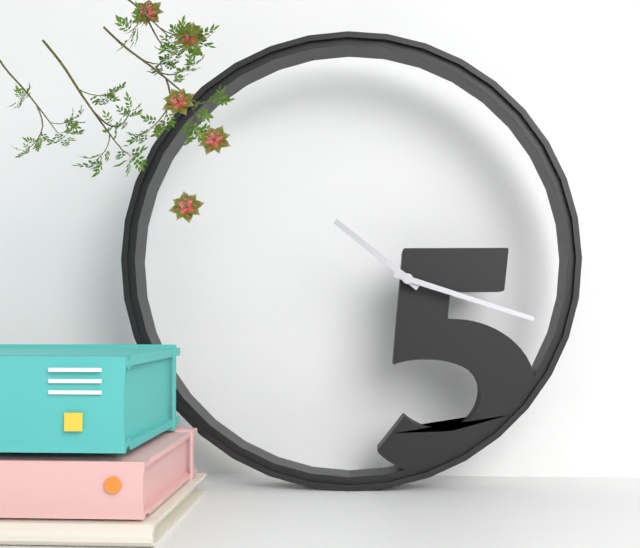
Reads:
h=10 m=18
